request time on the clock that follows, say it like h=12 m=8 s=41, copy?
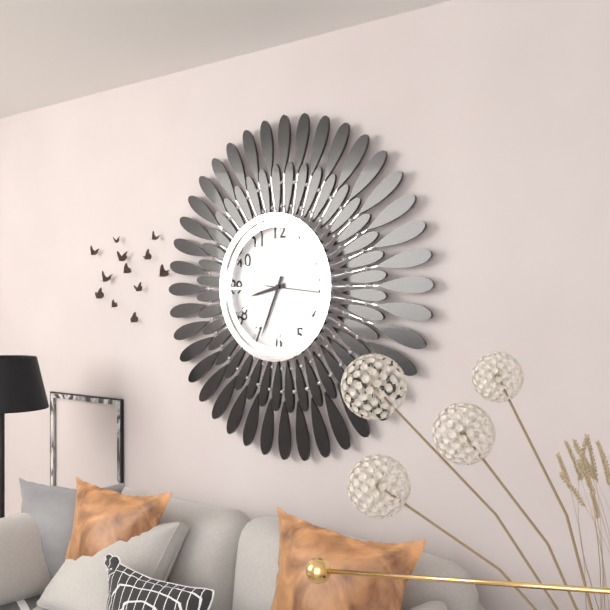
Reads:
h=8 m=34 s=16
